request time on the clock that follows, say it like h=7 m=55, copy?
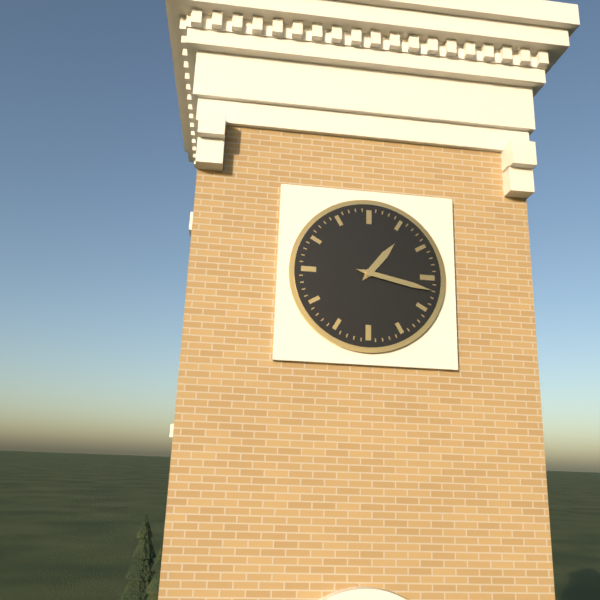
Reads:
h=1 m=17
